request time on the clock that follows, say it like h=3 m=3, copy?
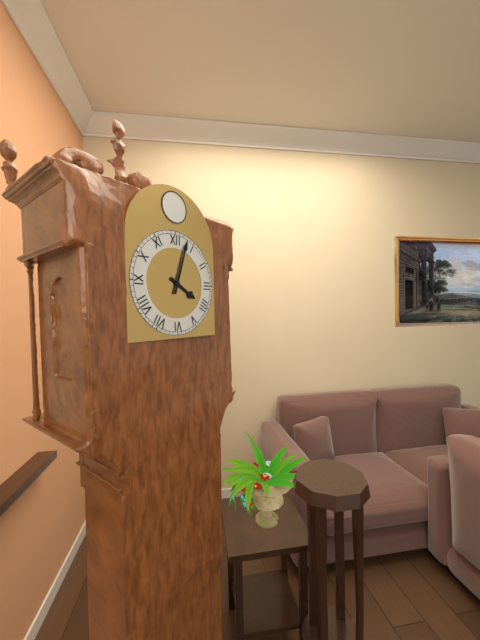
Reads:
h=4 m=3
